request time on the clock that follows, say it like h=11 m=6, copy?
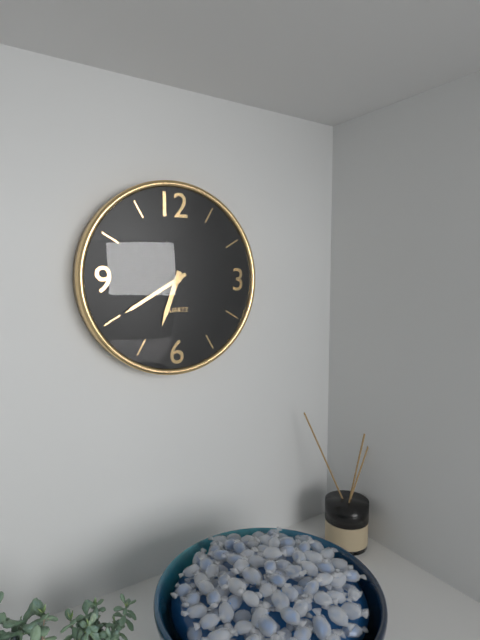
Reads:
h=6 m=40
